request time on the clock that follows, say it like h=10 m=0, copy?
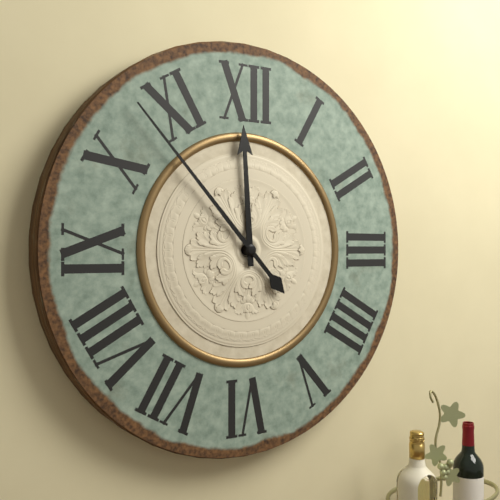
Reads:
h=11 m=53
